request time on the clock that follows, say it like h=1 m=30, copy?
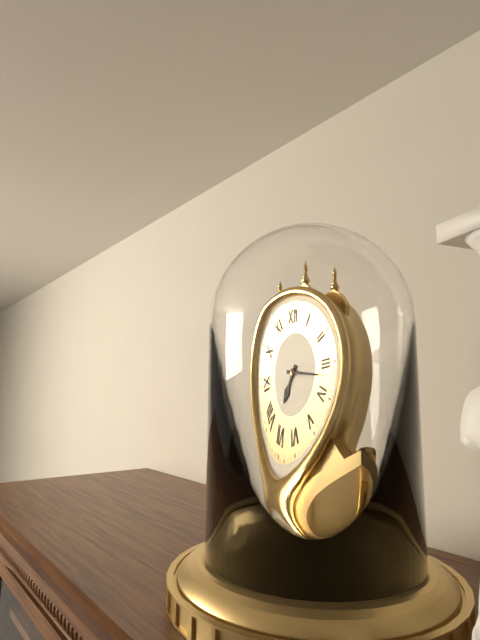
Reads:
h=7 m=17
